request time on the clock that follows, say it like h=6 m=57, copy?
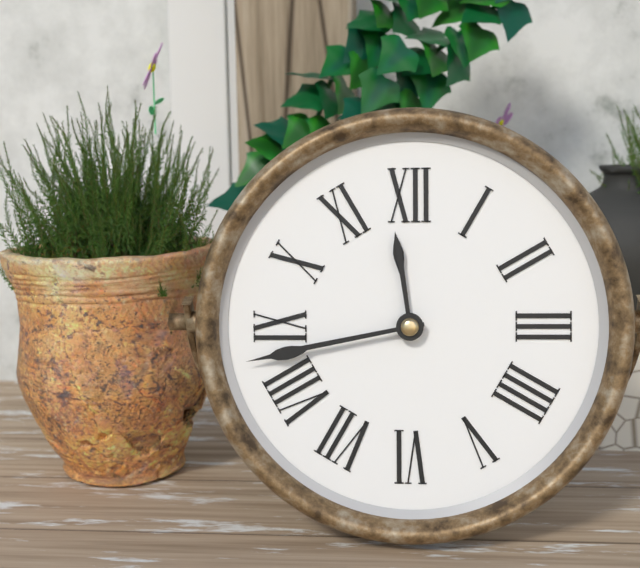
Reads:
h=11 m=43
